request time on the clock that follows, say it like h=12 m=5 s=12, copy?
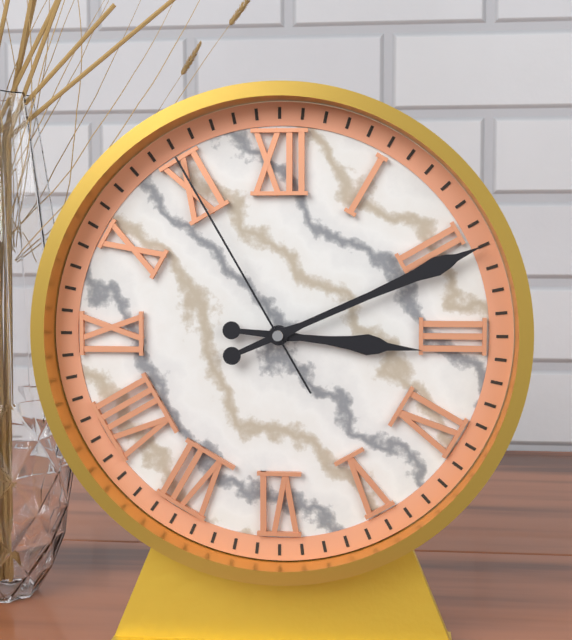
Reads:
h=3 m=11 s=55
